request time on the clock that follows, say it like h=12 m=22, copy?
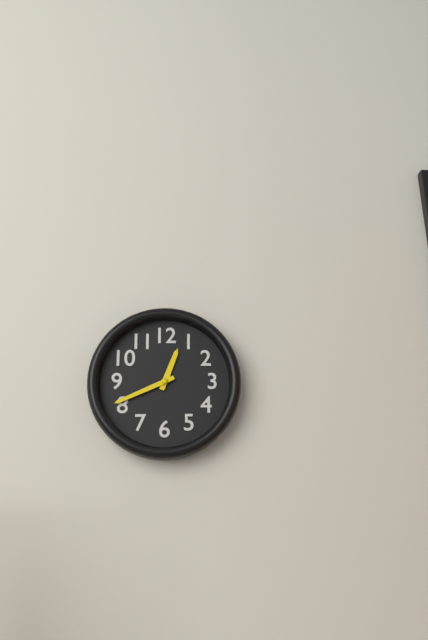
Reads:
h=12 m=41
